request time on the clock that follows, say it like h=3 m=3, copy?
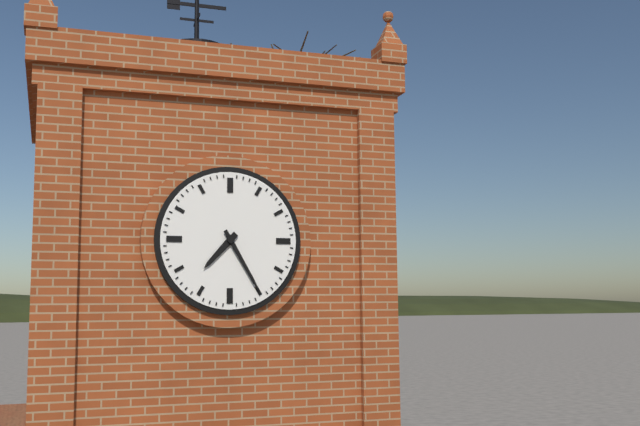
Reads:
h=7 m=25
